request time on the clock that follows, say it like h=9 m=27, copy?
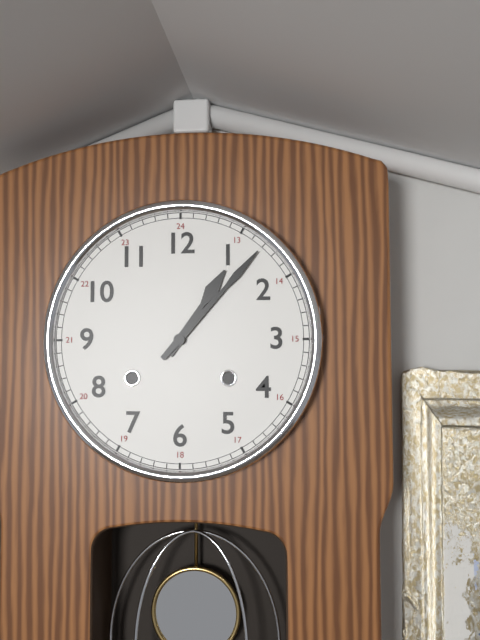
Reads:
h=1 m=7
